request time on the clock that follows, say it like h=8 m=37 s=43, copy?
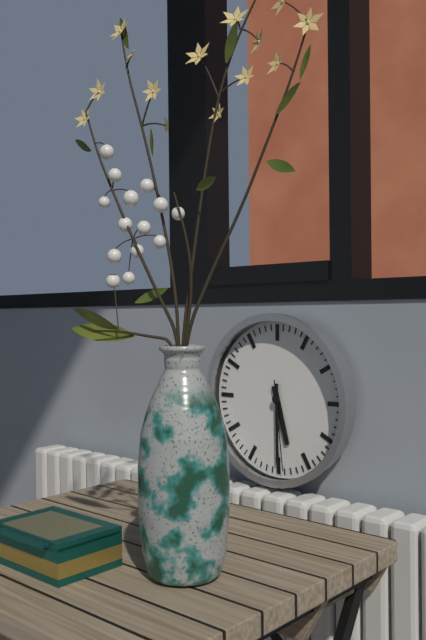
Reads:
h=5 m=30 s=29
